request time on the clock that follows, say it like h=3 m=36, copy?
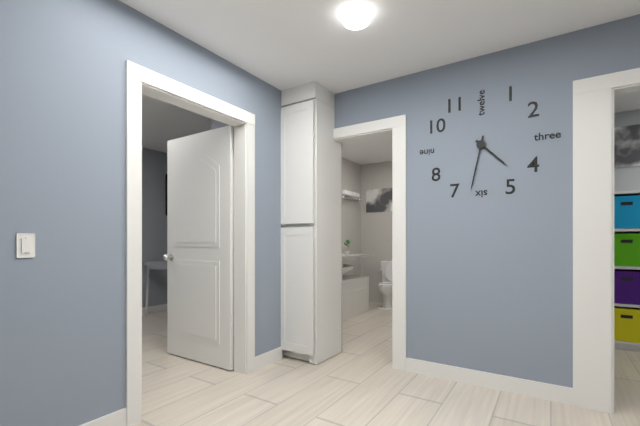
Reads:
h=4 m=32
